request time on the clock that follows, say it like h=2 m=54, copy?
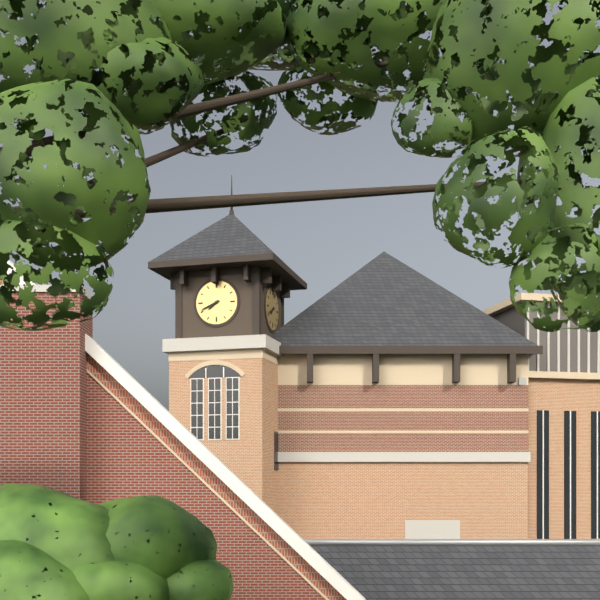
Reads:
h=7 m=41
